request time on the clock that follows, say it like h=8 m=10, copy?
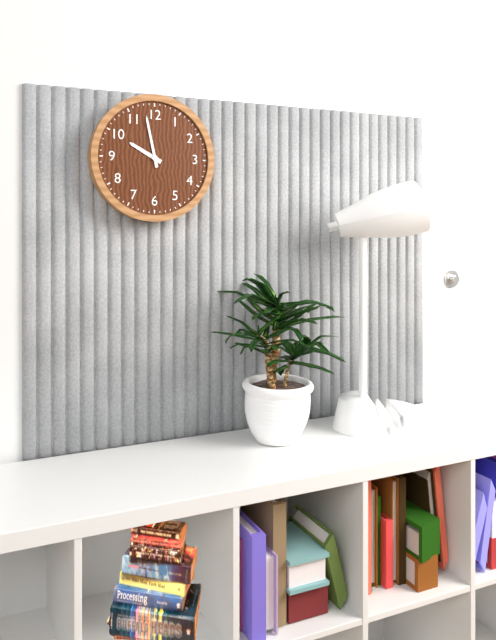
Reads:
h=9 m=58
